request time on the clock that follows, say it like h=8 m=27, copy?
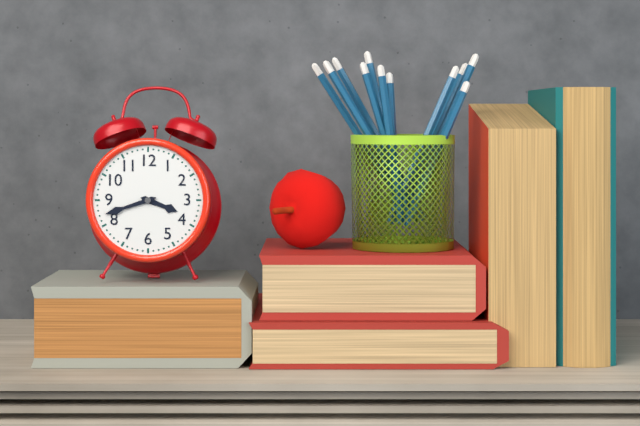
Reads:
h=3 m=42
